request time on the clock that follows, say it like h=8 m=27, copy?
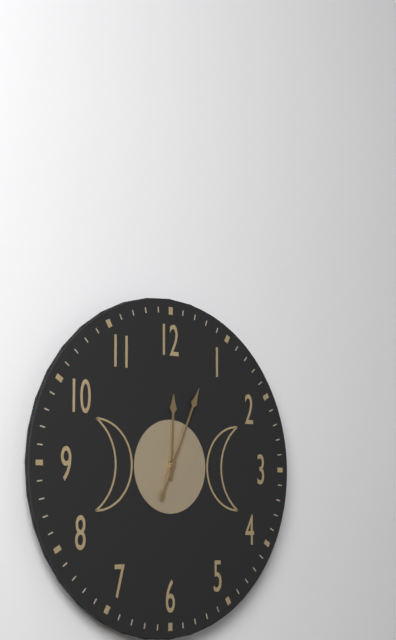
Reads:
h=12 m=4
